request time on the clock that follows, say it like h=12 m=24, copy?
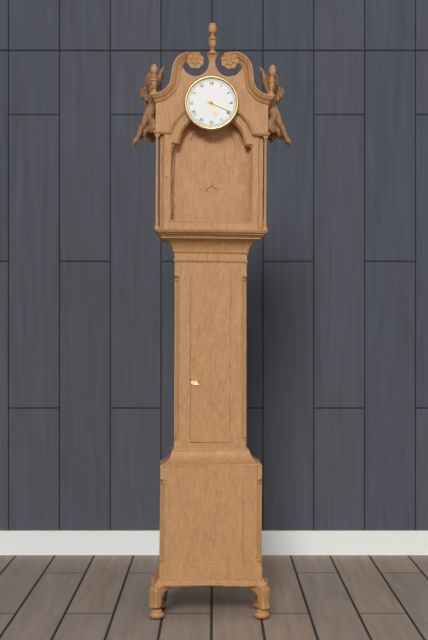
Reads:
h=5 m=19
